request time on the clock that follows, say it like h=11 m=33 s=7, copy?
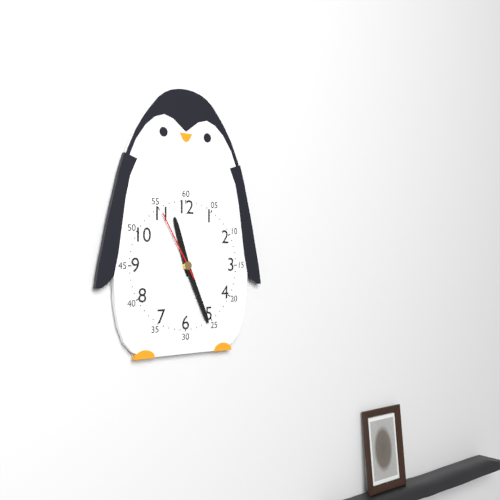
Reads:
h=11 m=26 s=55
